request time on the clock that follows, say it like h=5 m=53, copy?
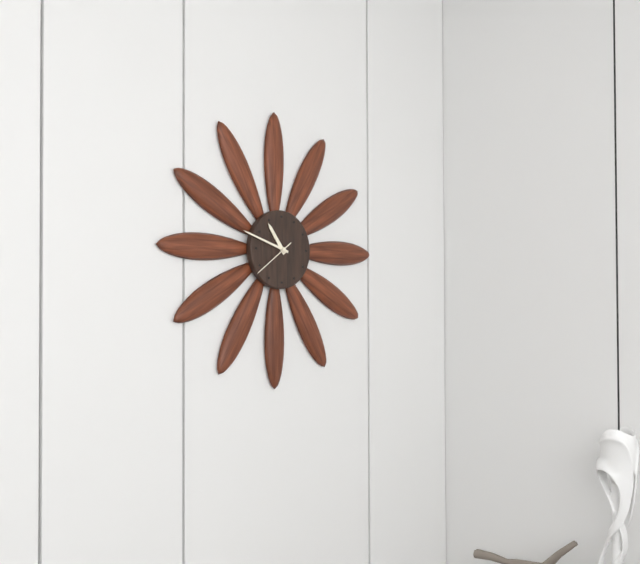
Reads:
h=10 m=48
